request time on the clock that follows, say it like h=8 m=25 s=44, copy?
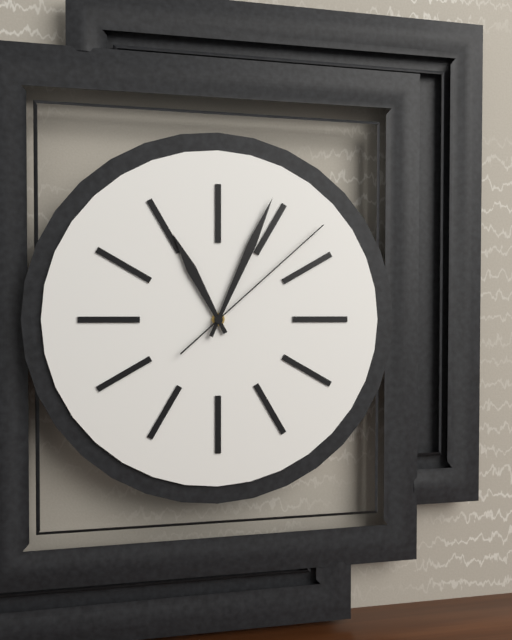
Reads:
h=11 m=4 s=8
